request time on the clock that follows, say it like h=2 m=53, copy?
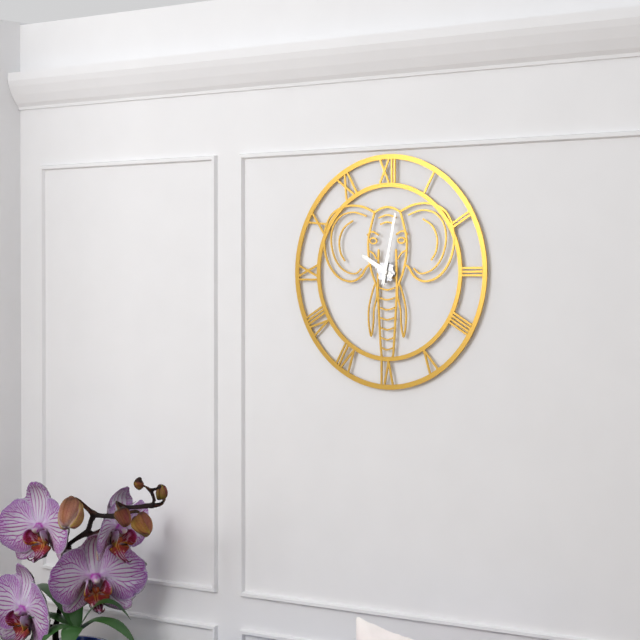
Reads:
h=10 m=2
